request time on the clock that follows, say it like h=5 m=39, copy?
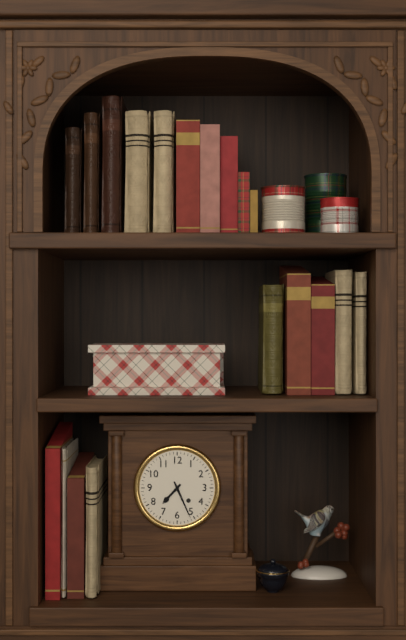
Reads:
h=7 m=26
